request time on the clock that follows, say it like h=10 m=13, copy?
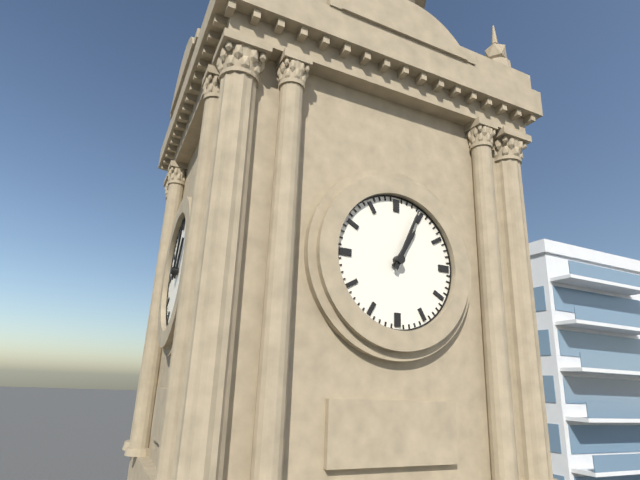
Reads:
h=1 m=4
